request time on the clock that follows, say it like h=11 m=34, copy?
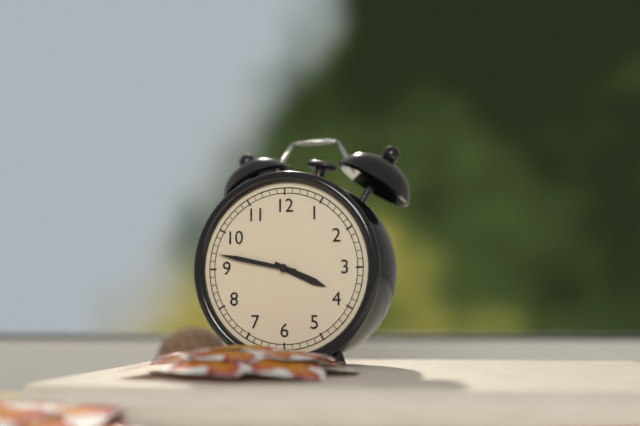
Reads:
h=3 m=47
